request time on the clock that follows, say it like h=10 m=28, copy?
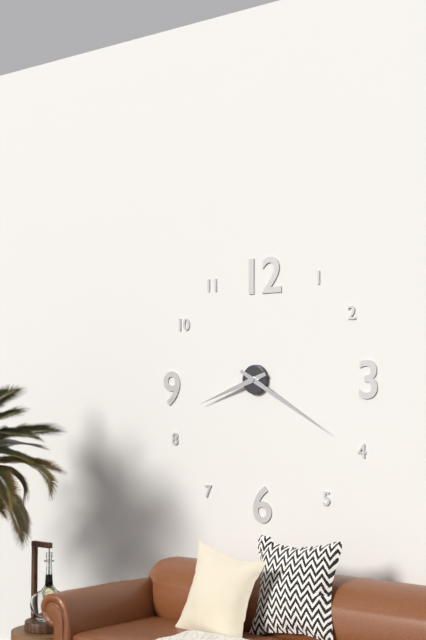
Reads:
h=8 m=20
